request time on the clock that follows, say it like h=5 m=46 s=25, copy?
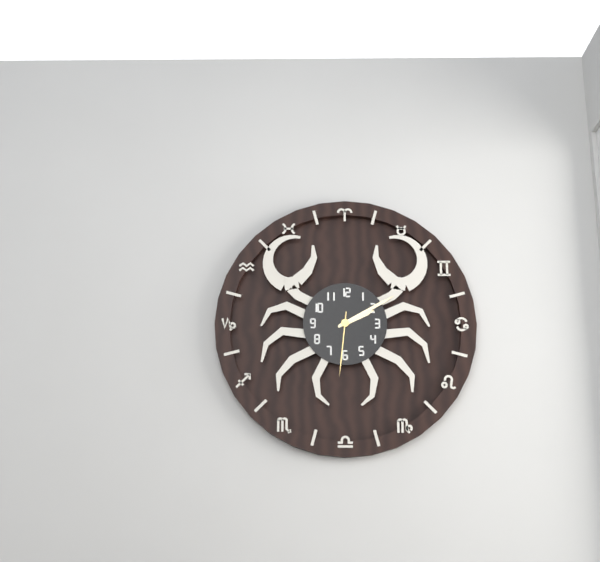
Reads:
h=2 m=10 s=31
